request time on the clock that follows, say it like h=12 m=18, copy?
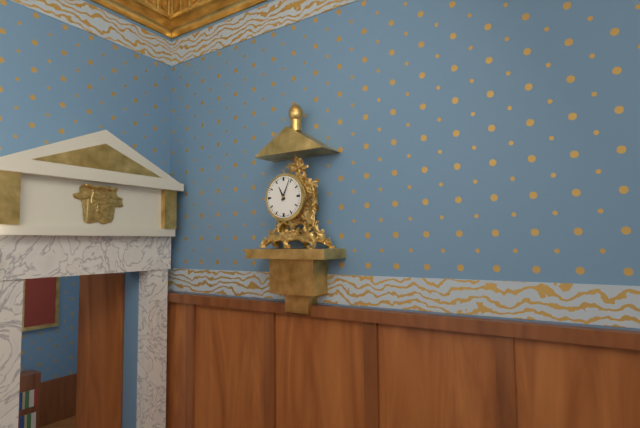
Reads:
h=11 m=4
